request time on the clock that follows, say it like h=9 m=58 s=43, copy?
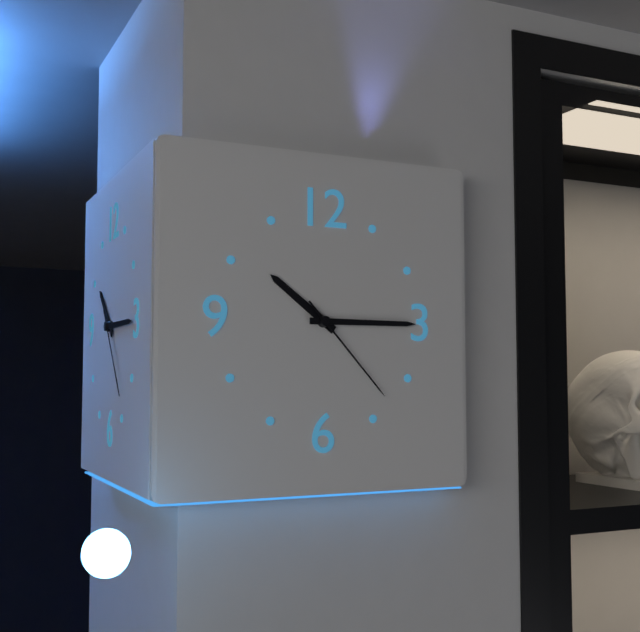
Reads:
h=10 m=15 s=23
